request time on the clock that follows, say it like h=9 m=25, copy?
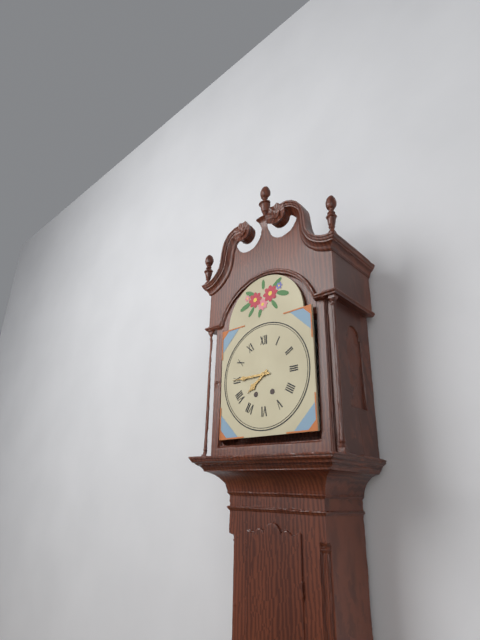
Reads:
h=7 m=45
